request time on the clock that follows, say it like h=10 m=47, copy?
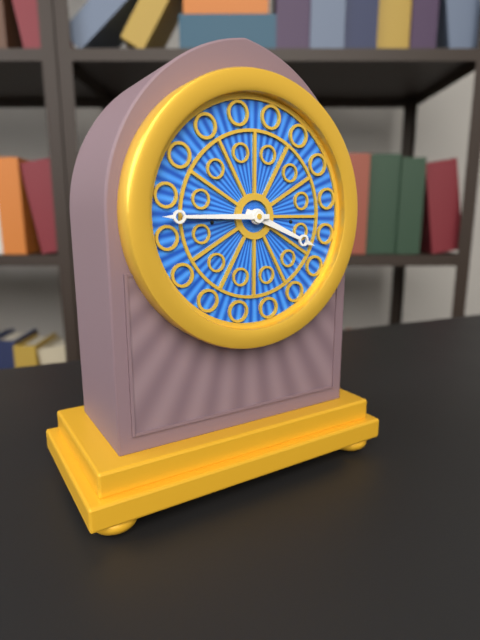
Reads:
h=3 m=45
